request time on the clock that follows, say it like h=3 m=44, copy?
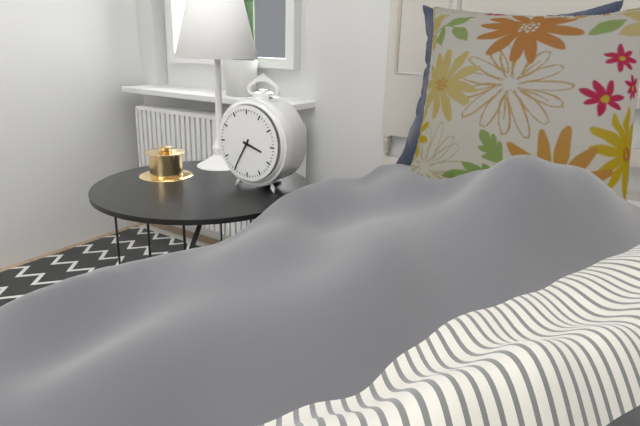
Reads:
h=3 m=35
